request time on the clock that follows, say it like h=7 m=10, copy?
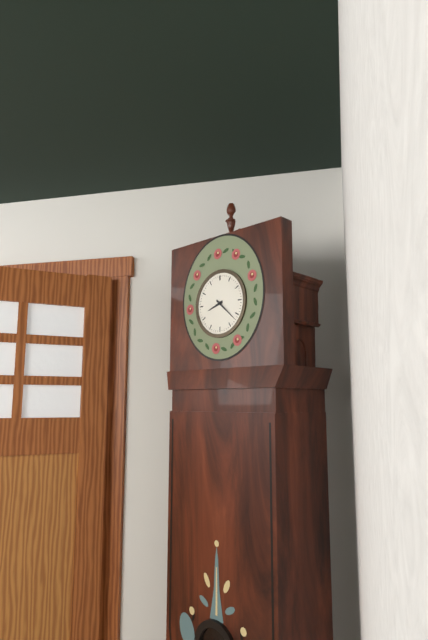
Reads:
h=8 m=22
